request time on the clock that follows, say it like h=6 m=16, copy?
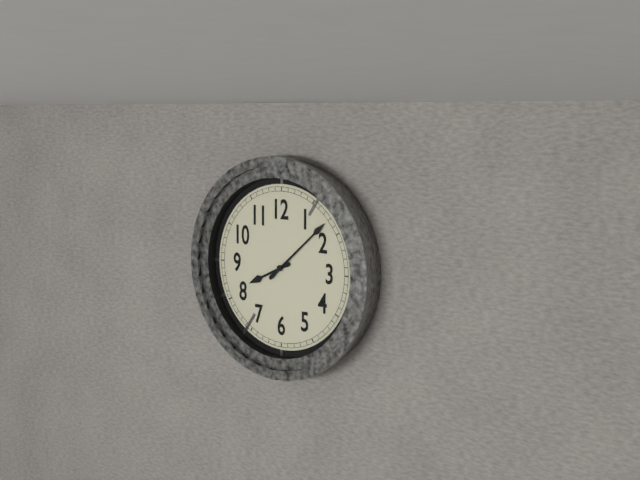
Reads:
h=8 m=8
